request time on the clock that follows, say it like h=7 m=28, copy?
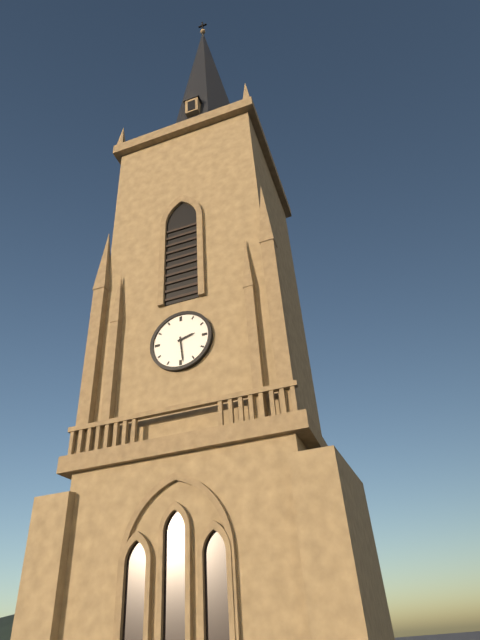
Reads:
h=2 m=29
